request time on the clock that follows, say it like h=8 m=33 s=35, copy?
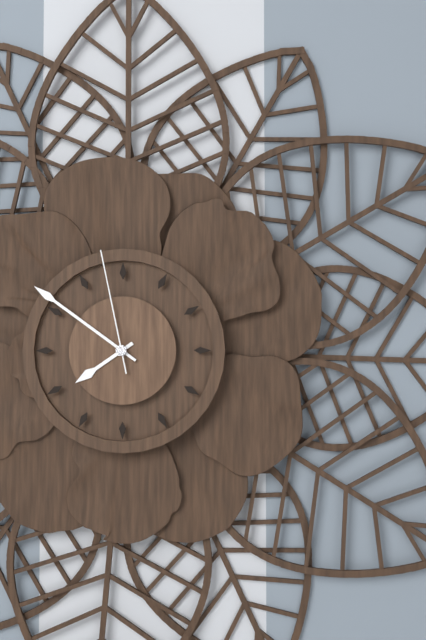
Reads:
h=7 m=51 s=58
